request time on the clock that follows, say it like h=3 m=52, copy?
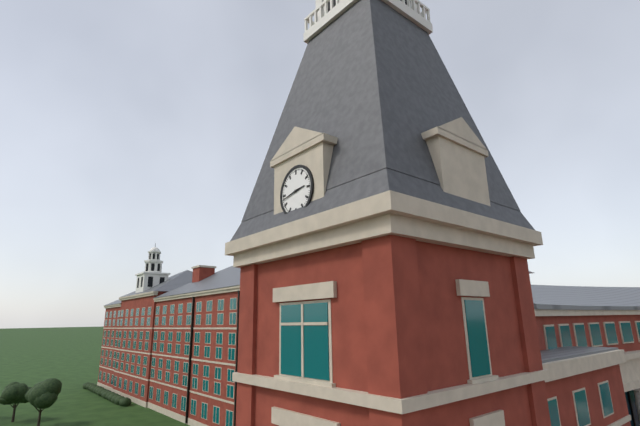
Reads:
h=2 m=43
